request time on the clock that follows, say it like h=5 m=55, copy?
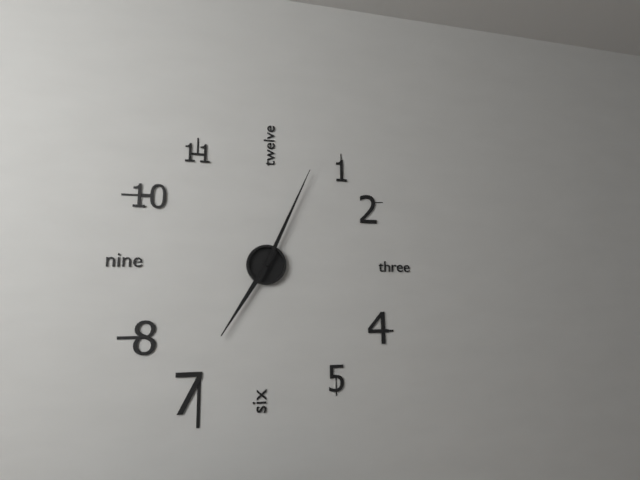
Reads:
h=7 m=4
